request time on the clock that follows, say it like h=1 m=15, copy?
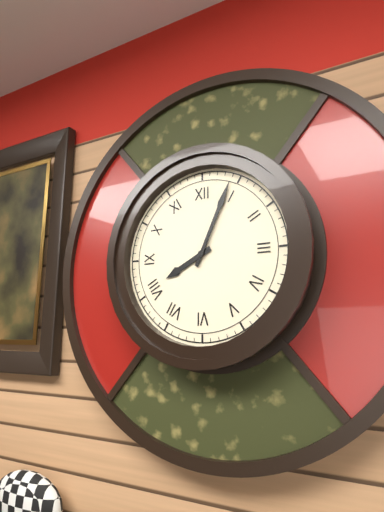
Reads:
h=8 m=4
